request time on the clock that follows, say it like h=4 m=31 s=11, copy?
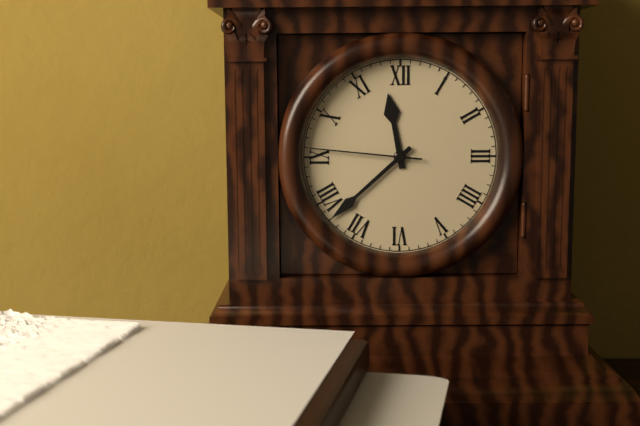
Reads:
h=11 m=38 s=46
